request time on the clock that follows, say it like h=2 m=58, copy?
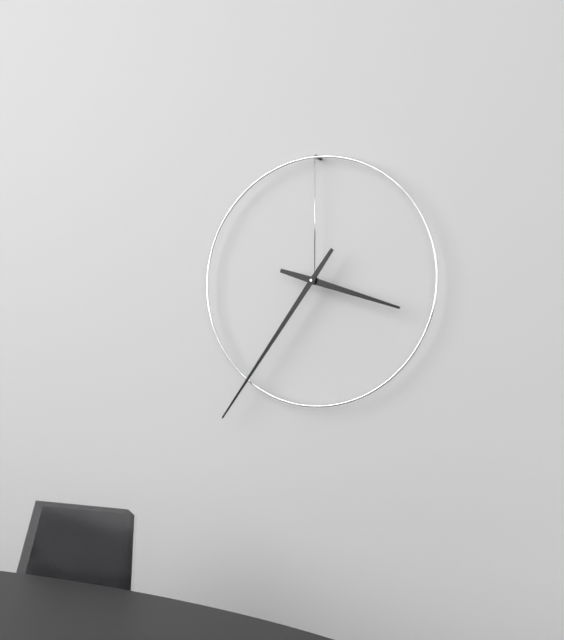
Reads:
h=3 m=36
